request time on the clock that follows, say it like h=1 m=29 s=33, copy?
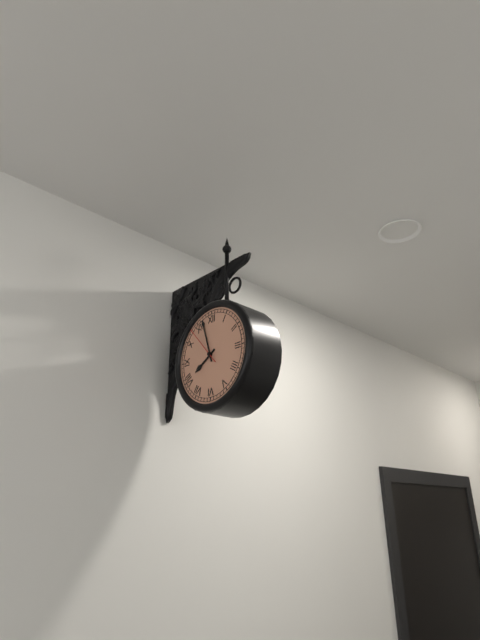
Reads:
h=7 m=57 s=53
